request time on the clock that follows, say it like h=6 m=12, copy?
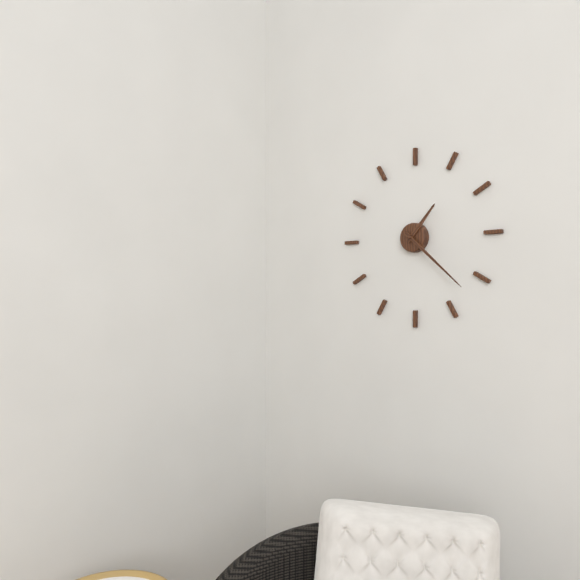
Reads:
h=1 m=22
